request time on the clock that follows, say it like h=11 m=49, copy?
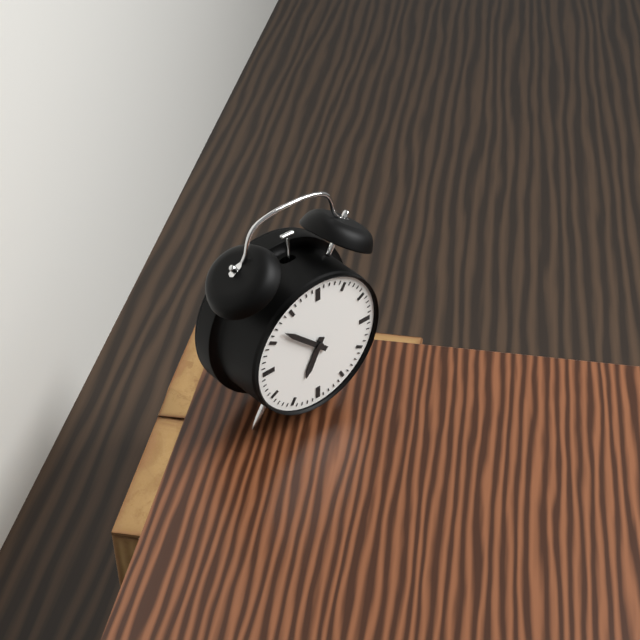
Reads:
h=6 m=52
